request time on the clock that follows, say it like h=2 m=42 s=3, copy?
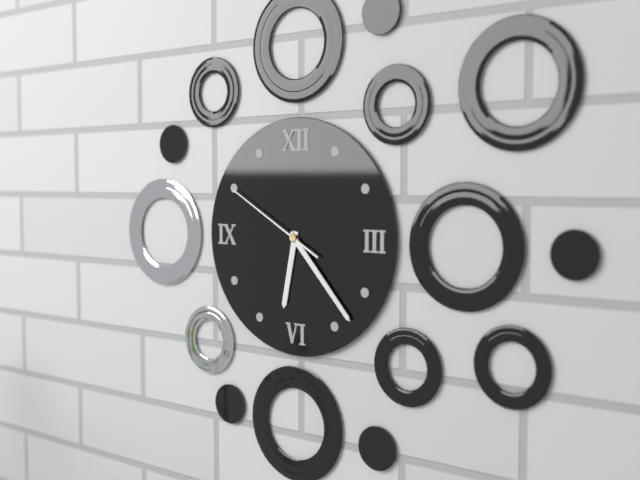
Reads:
h=6 m=23 s=50
